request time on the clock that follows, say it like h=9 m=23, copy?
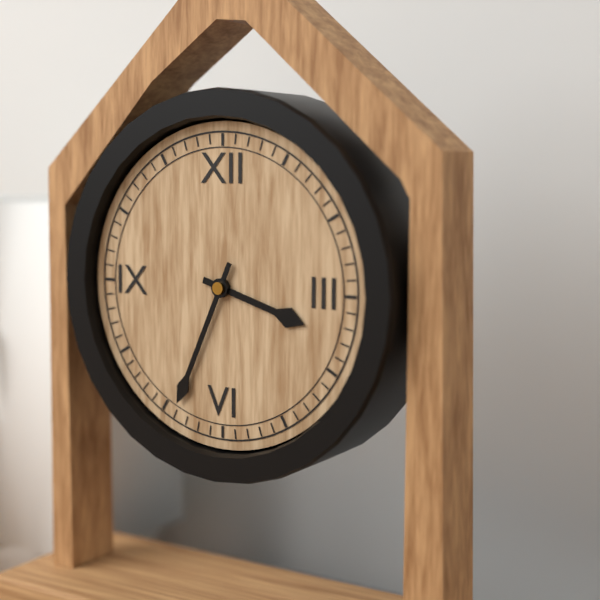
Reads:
h=3 m=34
